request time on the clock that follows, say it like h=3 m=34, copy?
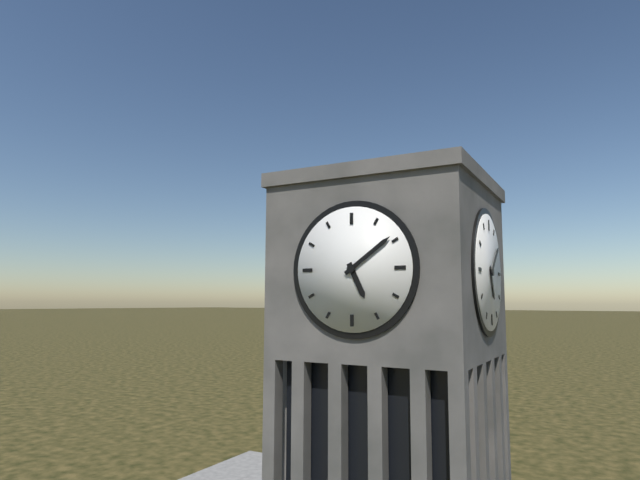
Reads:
h=5 m=9
